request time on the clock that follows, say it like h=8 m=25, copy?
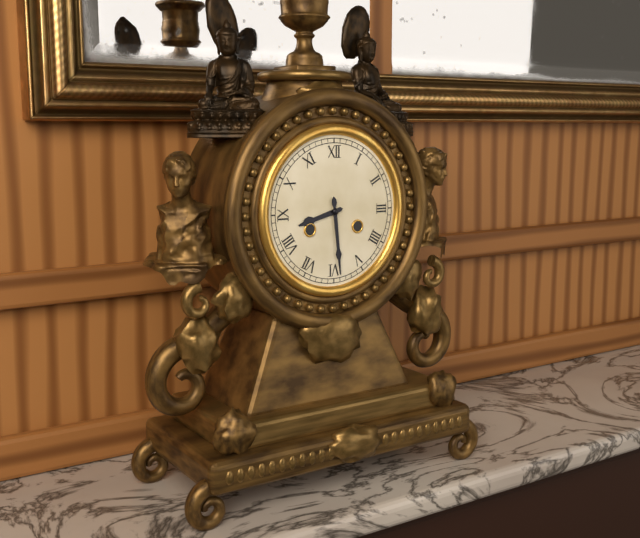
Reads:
h=8 m=29
